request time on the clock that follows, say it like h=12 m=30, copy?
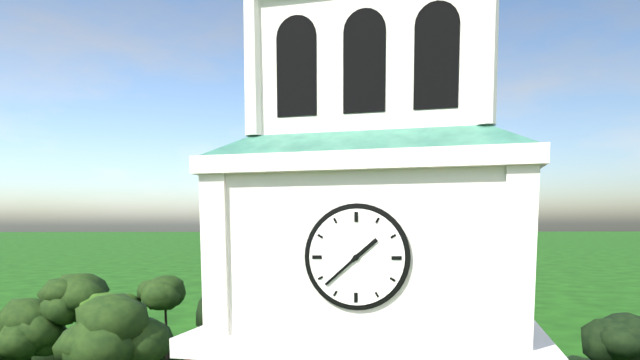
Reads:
h=1 m=38
